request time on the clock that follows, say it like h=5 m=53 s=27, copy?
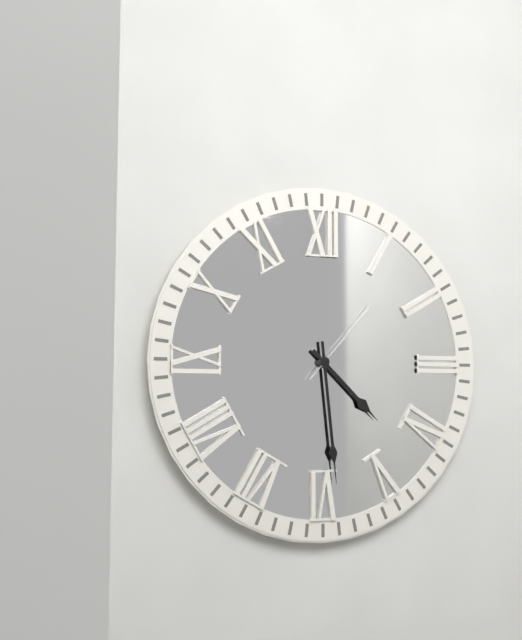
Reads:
h=4 m=29 s=7
